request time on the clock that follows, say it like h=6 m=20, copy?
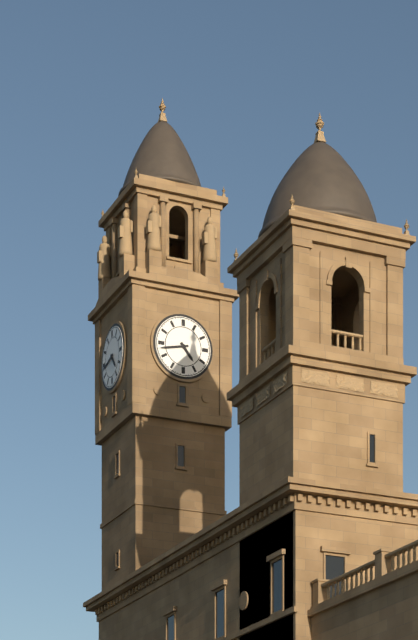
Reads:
h=4 m=43
